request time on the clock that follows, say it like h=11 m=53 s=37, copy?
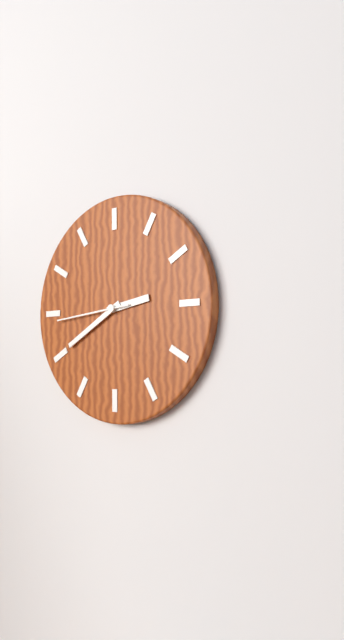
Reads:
h=2 m=40 s=44
